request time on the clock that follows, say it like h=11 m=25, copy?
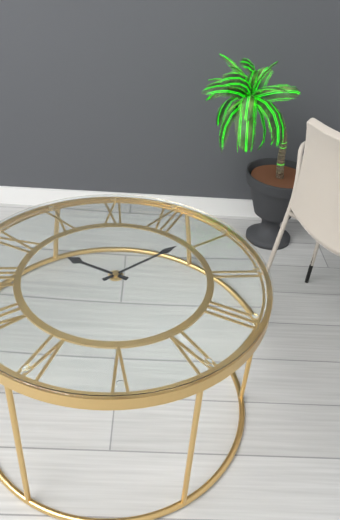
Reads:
h=9 m=4
